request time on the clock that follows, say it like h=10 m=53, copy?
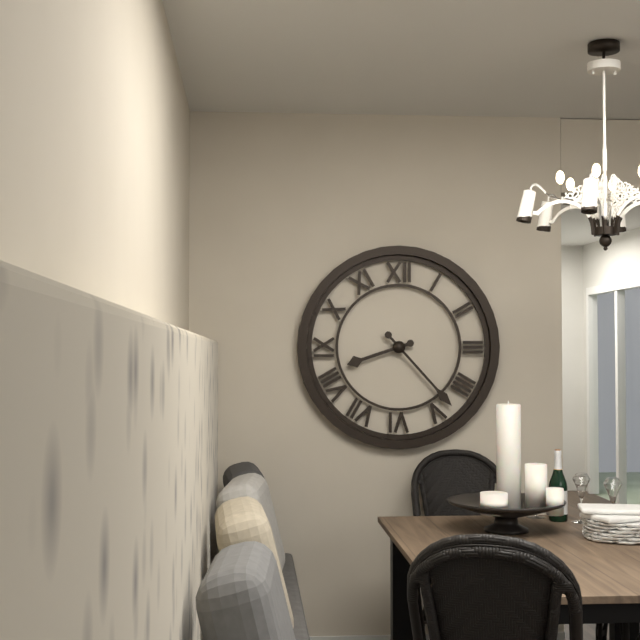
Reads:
h=8 m=23
